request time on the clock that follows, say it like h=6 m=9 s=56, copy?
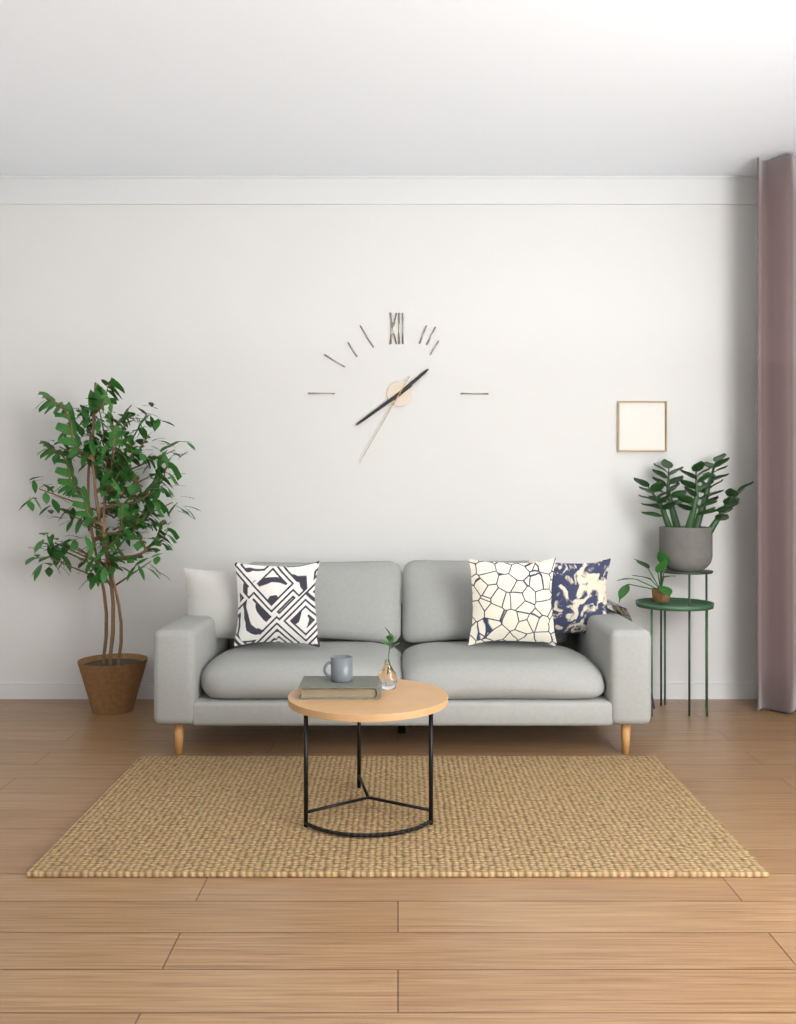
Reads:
h=1 m=39 s=35
